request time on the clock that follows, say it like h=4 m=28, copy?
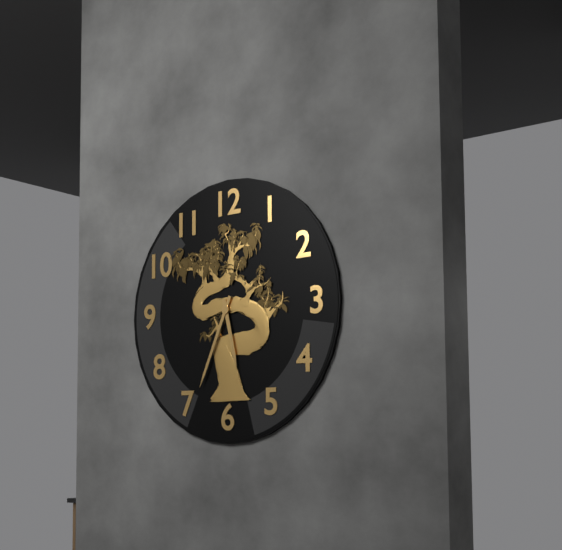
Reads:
h=5 m=34
